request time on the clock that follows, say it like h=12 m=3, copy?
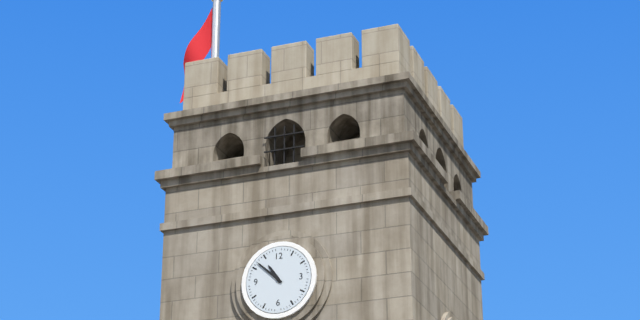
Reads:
h=10 m=52
